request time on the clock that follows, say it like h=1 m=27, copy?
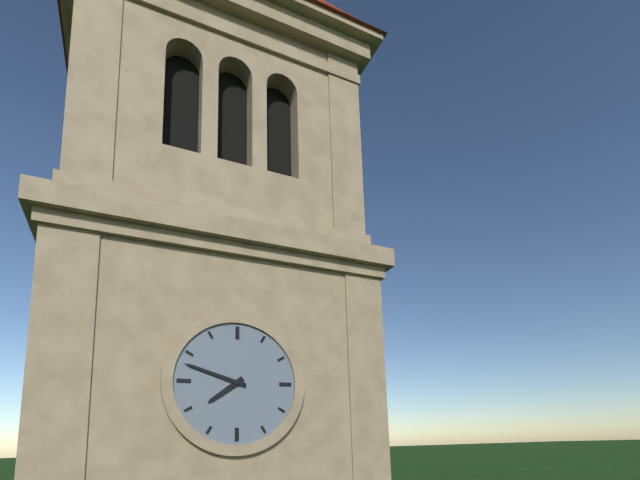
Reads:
h=7 m=48
